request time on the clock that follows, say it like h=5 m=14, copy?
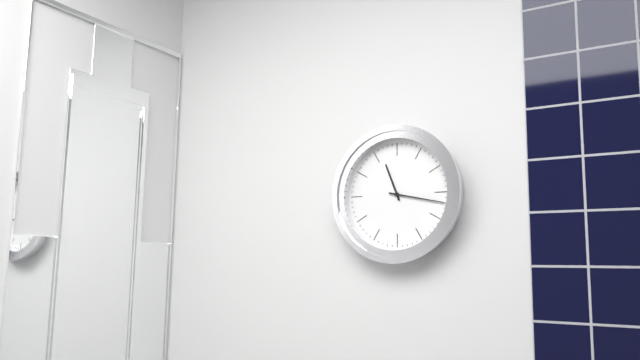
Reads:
h=11 m=17
